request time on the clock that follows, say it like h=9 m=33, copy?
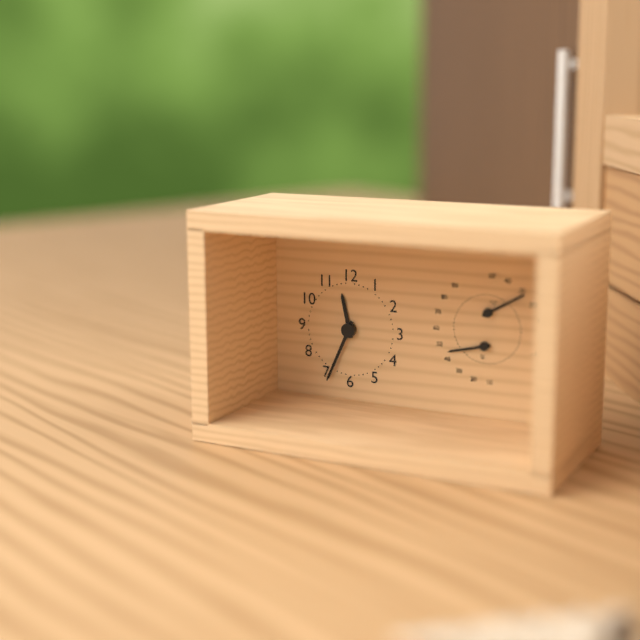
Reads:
h=11 m=34
